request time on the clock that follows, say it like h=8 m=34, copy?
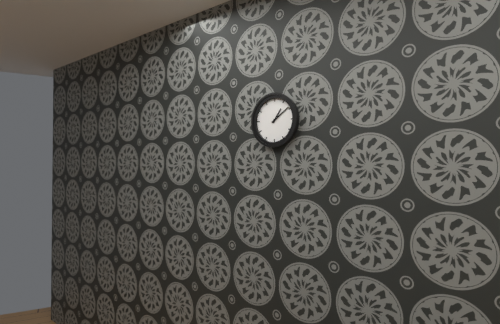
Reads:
h=1 m=9
